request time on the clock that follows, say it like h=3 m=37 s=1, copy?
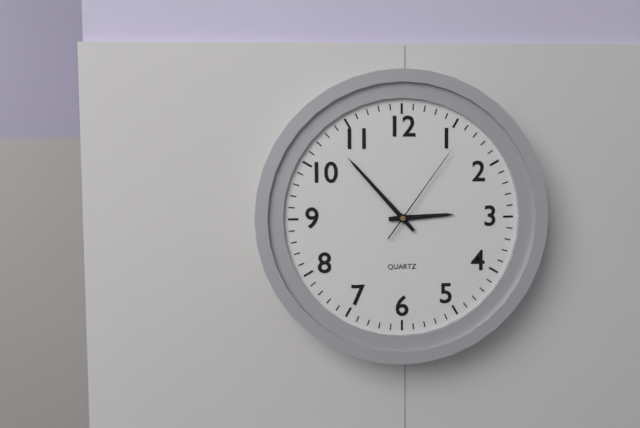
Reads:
h=2 m=53 s=6
